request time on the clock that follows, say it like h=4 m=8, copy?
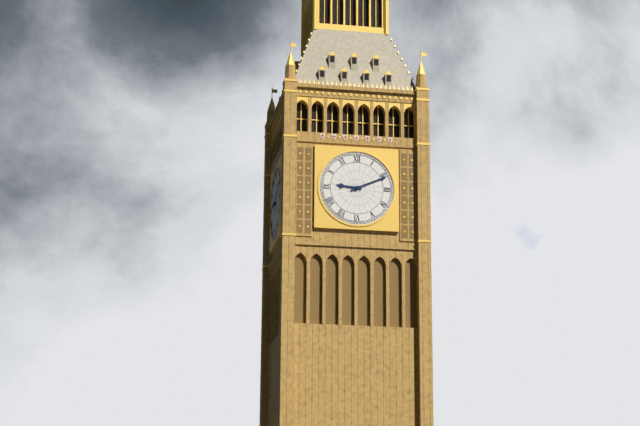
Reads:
h=9 m=11
